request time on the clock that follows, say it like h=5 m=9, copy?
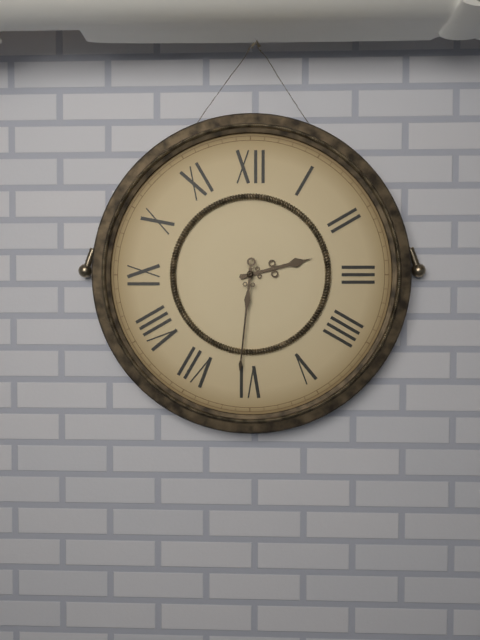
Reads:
h=2 m=31
